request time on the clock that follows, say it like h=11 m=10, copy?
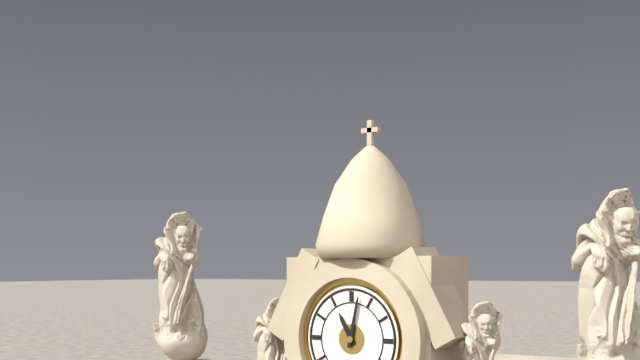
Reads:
h=11 m=2
